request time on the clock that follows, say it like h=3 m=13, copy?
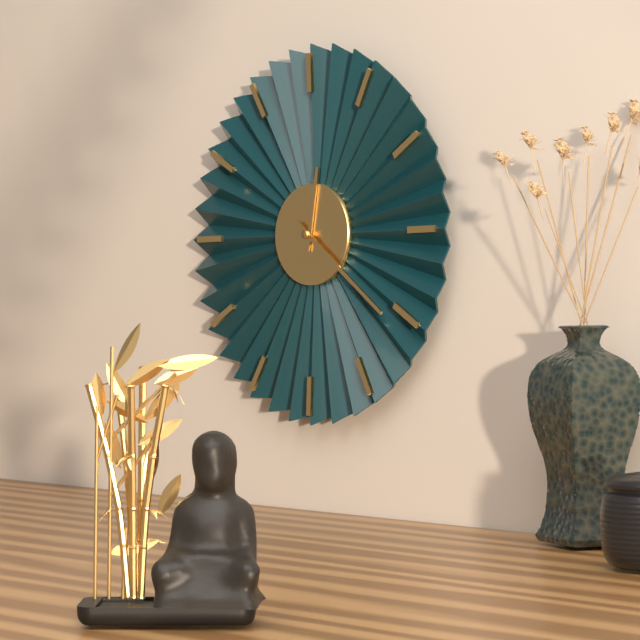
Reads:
h=12 m=21
